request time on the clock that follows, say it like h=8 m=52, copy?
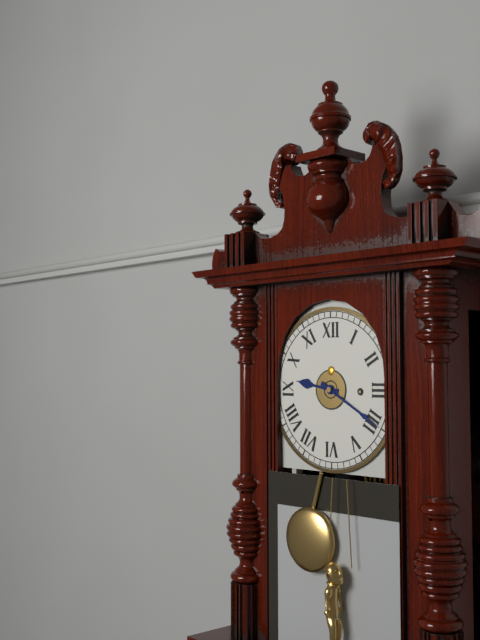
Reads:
h=9 m=20
